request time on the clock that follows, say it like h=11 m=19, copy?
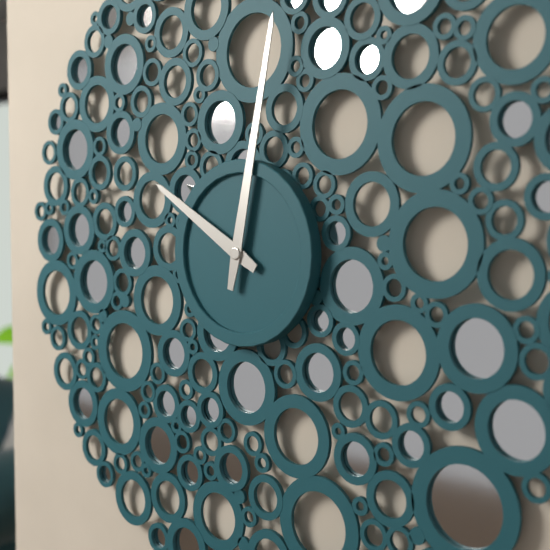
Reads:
h=10 m=2
